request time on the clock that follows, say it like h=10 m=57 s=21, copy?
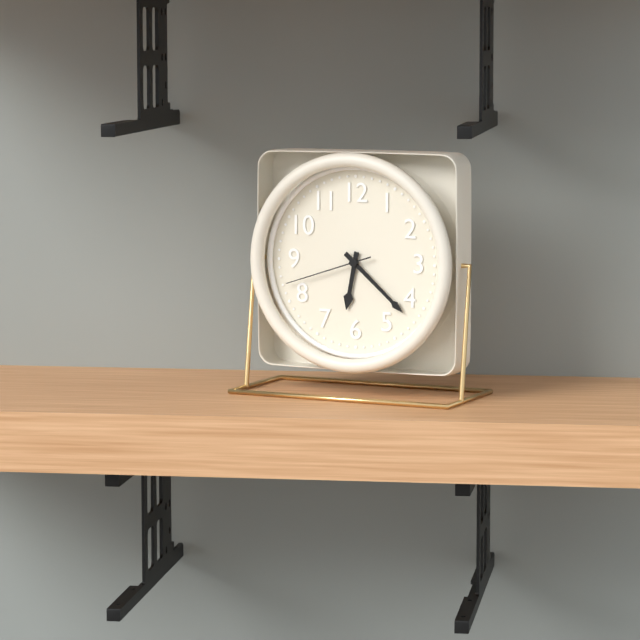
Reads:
h=6 m=22 s=42
